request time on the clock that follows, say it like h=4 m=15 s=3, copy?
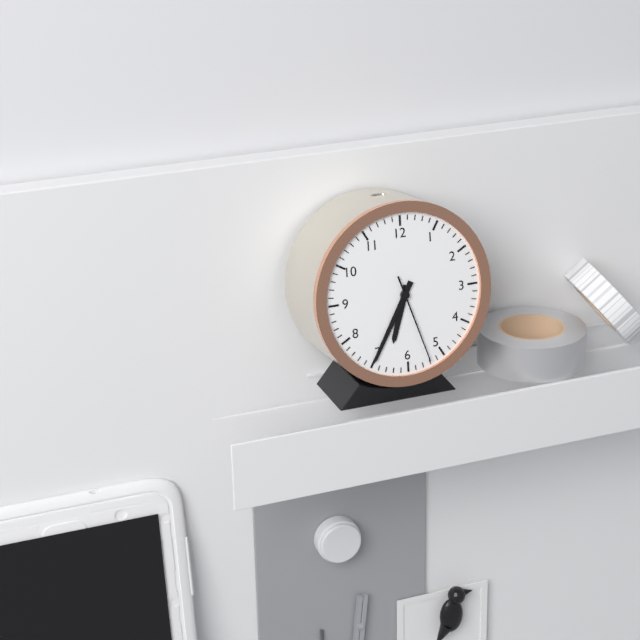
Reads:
h=6 m=35 s=27
